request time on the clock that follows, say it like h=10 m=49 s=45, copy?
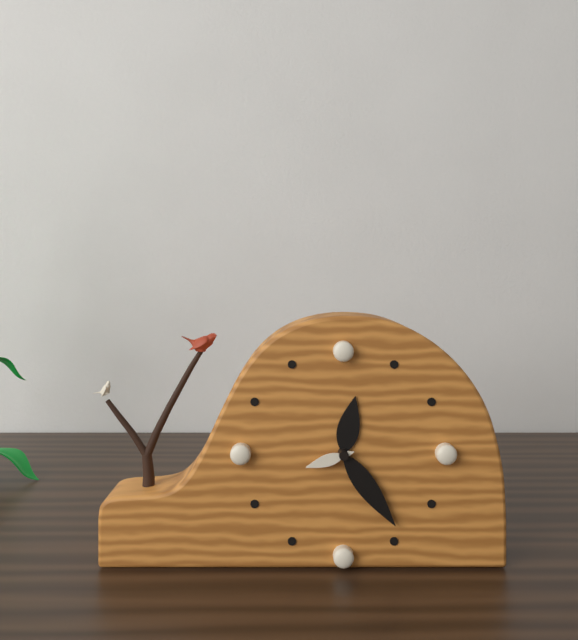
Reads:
h=12 m=24 s=42
